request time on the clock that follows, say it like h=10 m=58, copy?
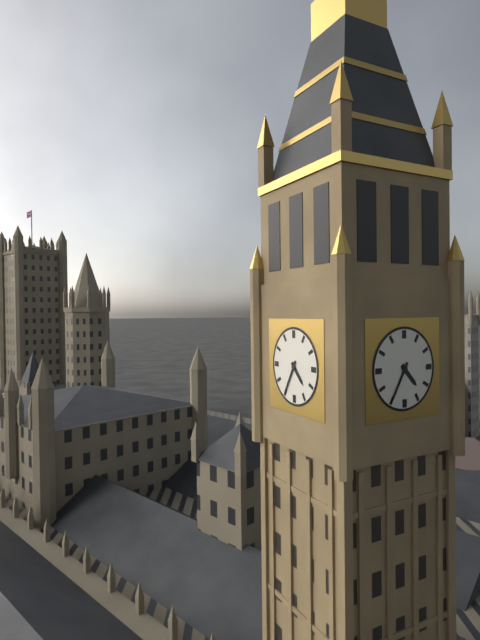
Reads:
h=4 m=35
